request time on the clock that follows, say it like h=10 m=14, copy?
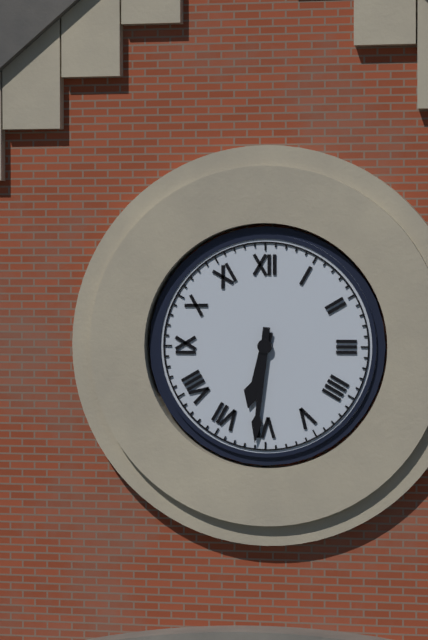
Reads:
h=6 m=31
